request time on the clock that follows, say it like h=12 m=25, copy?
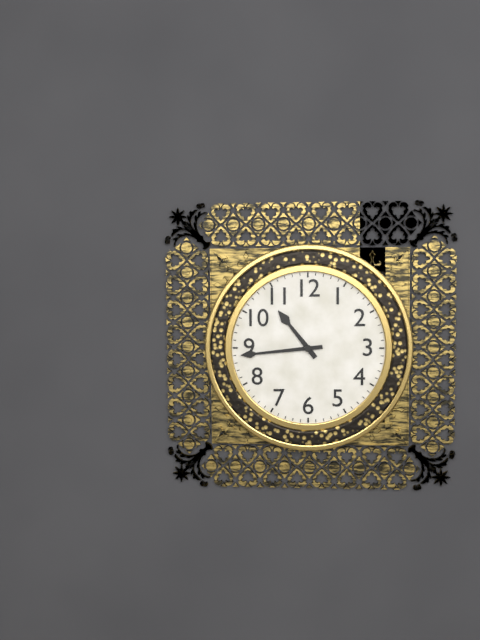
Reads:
h=10 m=44
